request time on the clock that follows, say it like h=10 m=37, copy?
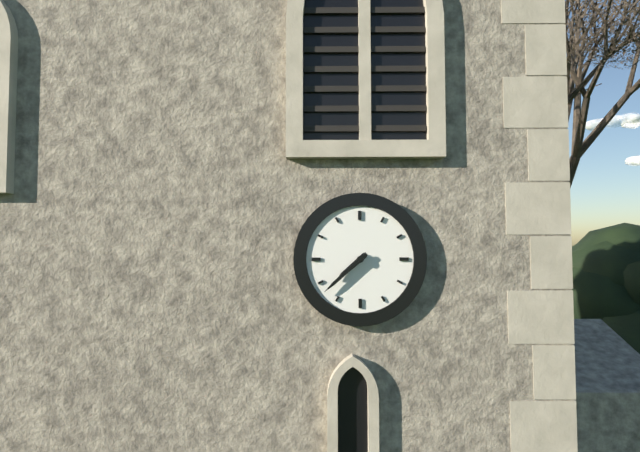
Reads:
h=7 m=38
